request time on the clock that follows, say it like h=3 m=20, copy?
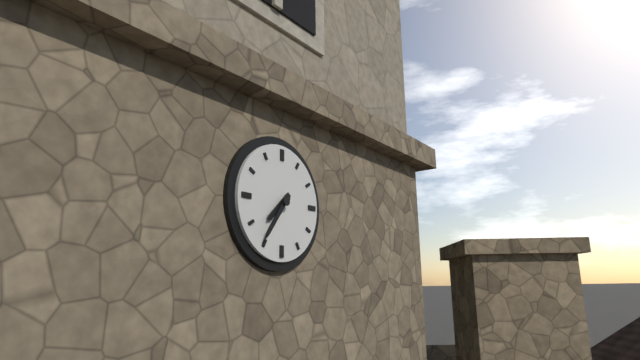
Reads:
h=7 m=36
